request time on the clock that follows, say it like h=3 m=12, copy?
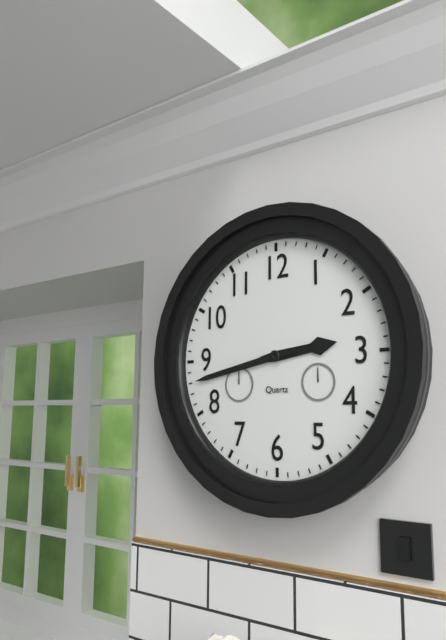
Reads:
h=2 m=43
